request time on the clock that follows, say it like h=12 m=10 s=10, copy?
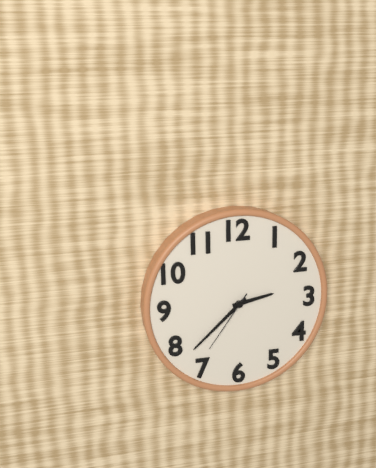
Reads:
h=2 m=38 s=36
